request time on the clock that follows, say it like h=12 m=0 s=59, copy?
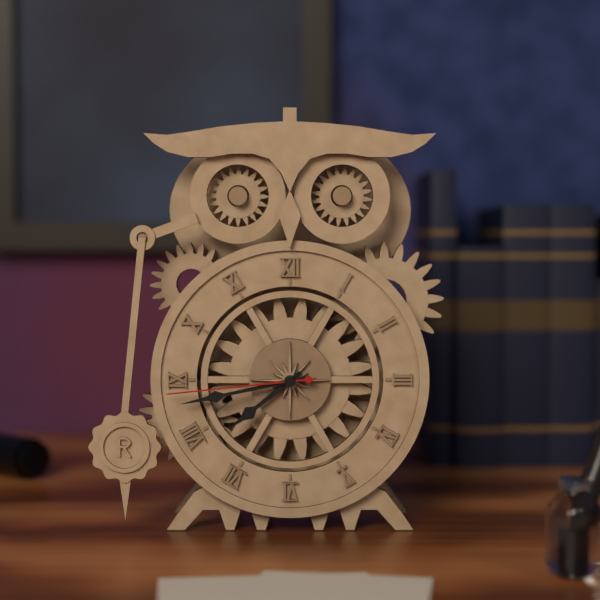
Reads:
h=7 m=43 s=44
